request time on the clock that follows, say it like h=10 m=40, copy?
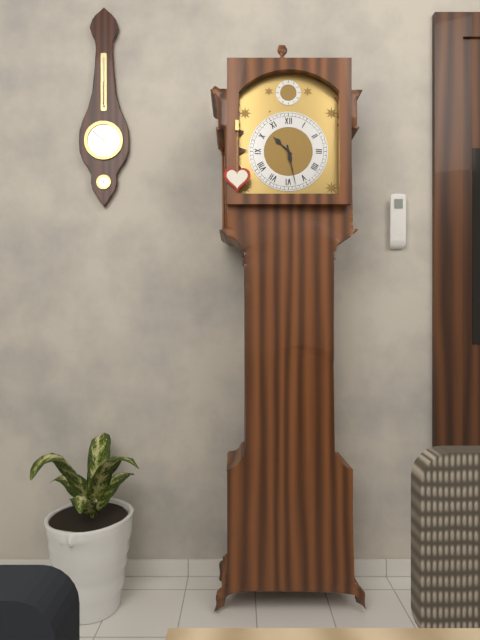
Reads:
h=10 m=28
